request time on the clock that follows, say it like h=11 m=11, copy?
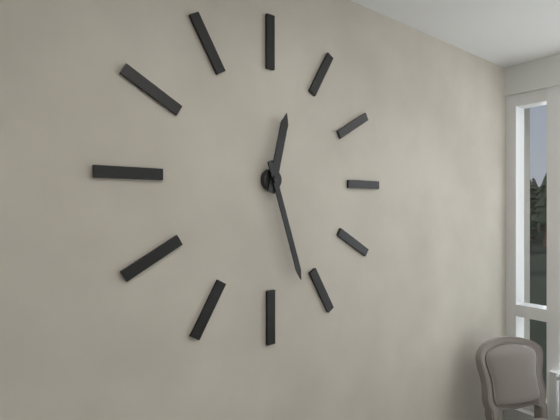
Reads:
h=12 m=27
